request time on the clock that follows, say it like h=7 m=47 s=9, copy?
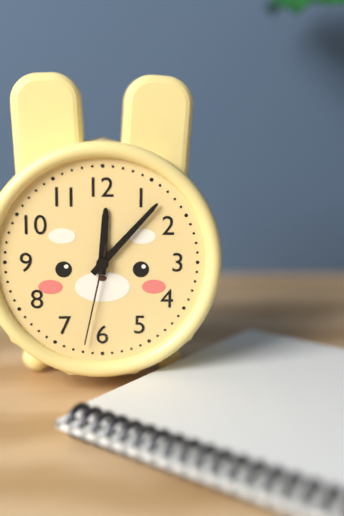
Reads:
h=12 m=7 s=32
